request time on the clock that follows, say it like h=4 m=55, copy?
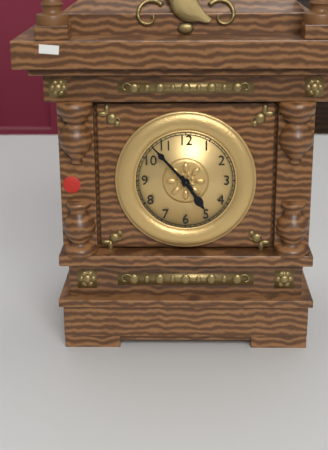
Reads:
h=4 m=53
